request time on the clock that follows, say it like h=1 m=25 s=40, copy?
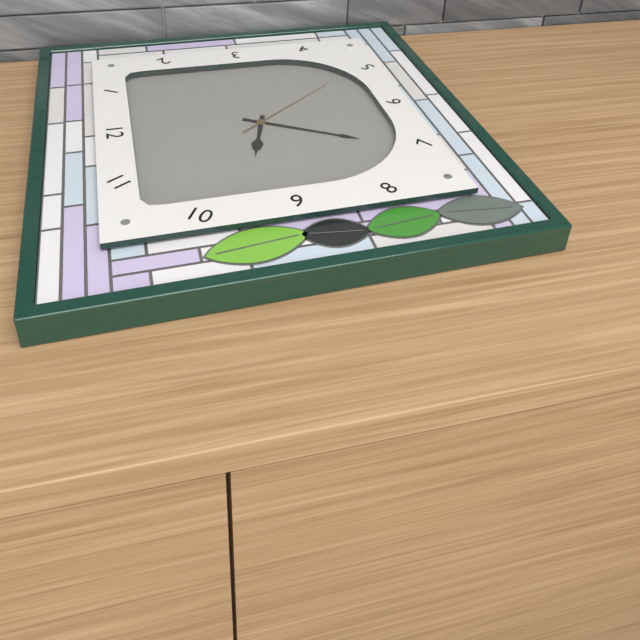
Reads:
h=9 m=35 s=24
